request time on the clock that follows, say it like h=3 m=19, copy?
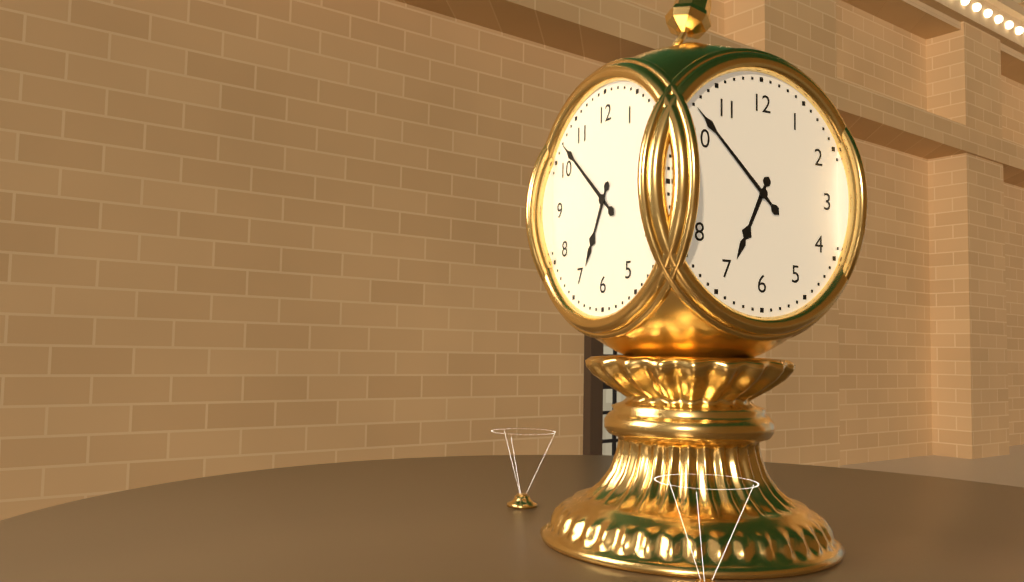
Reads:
h=6 m=52
